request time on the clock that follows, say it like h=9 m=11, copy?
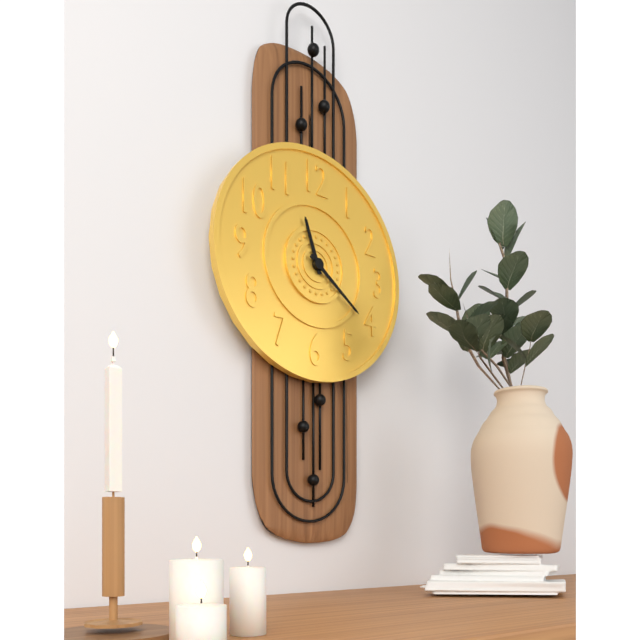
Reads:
h=11 m=21
